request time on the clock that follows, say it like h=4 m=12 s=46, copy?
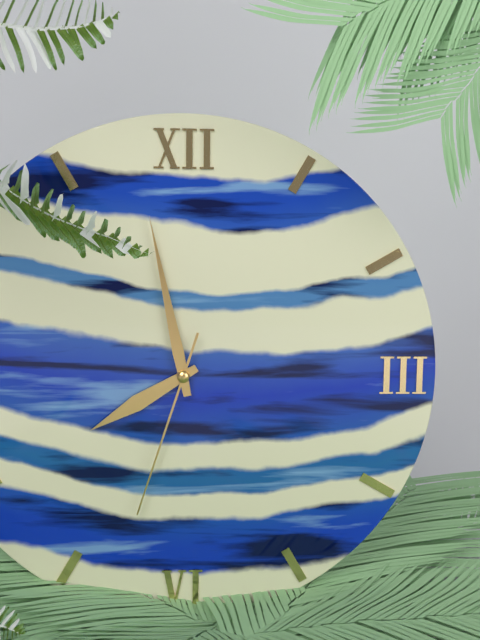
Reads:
h=7 m=58 s=33
